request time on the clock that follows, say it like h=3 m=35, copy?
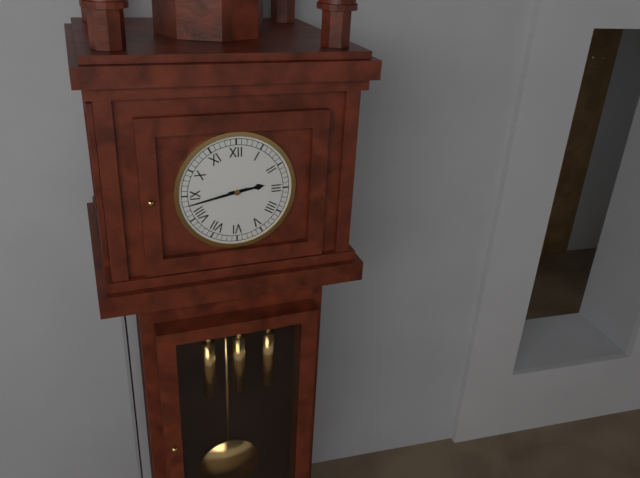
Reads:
h=2 m=43
